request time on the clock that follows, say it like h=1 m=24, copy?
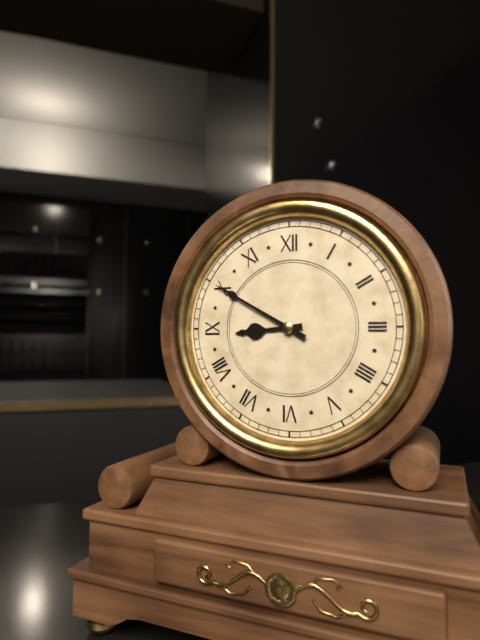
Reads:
h=8 m=50
